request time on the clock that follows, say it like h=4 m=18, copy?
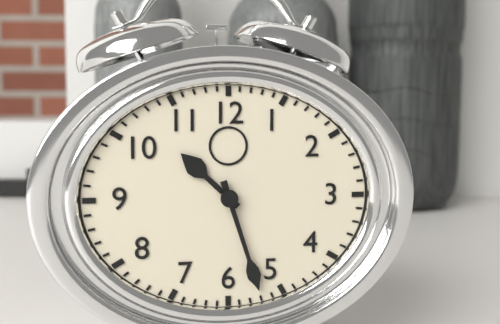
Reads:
h=10 m=27
